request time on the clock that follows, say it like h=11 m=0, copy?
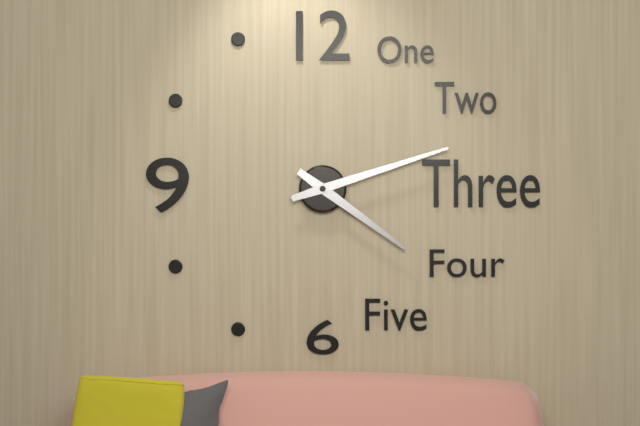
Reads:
h=4 m=12
